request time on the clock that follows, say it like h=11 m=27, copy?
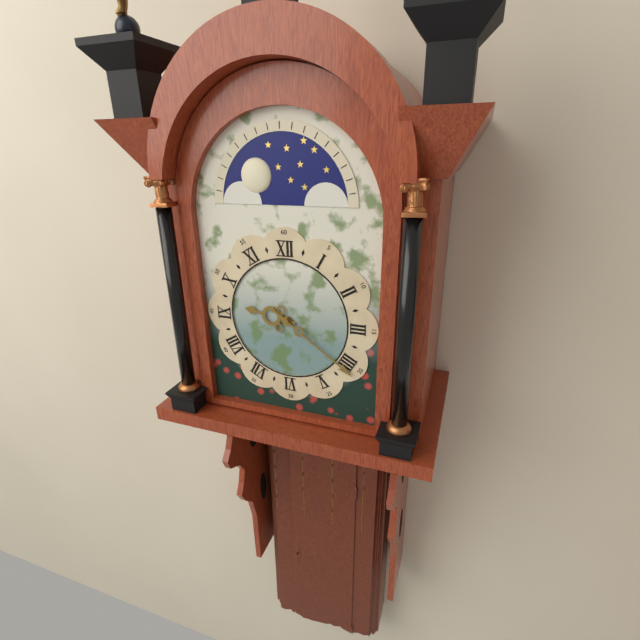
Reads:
h=9 m=21
